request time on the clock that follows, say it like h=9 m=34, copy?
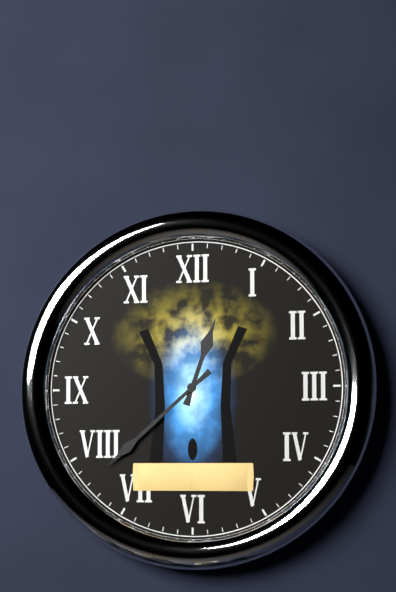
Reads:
h=12 m=38
